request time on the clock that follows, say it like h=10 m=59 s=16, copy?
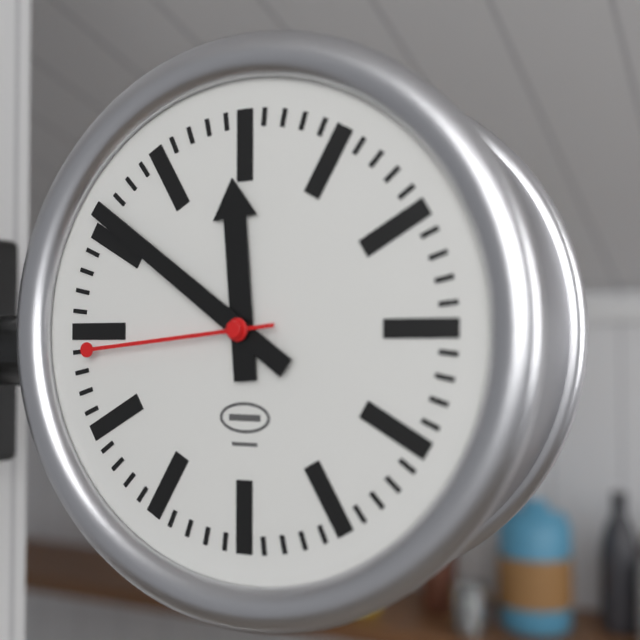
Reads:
h=11 m=51 s=44
